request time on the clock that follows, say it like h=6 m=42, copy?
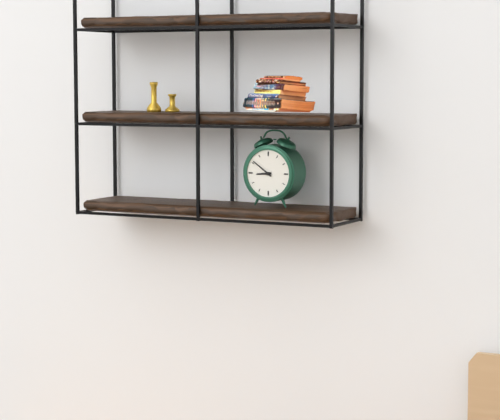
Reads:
h=8 m=51
